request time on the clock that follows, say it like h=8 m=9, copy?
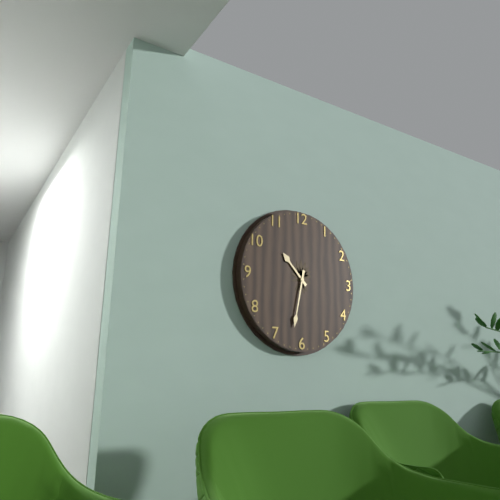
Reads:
h=10 m=32
